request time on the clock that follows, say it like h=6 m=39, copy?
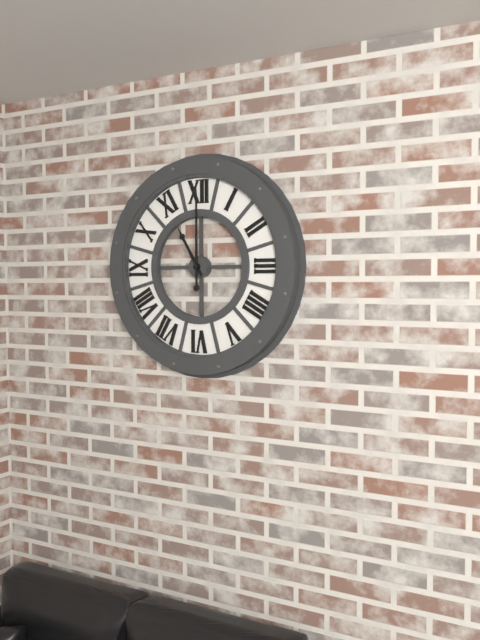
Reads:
h=11 m=0
